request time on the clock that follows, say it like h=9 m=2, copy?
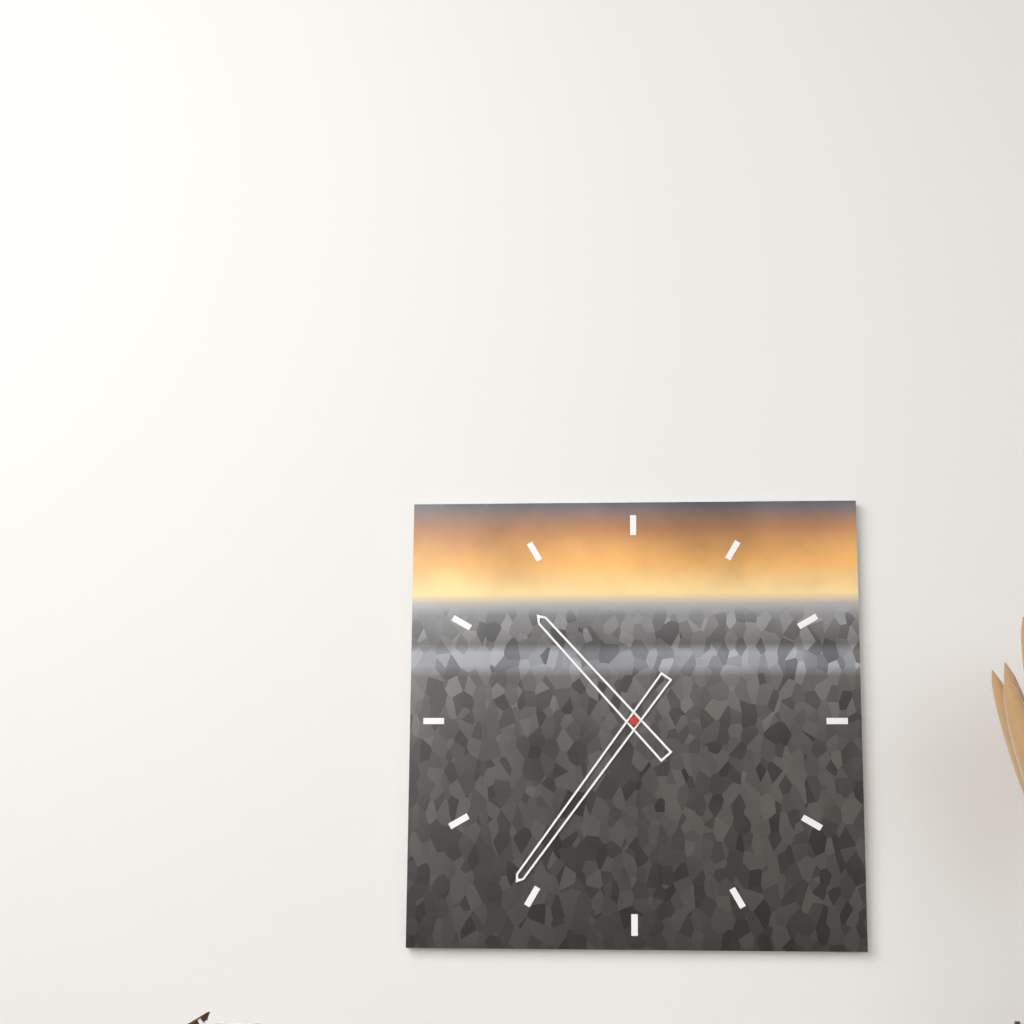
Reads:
h=10 m=36
